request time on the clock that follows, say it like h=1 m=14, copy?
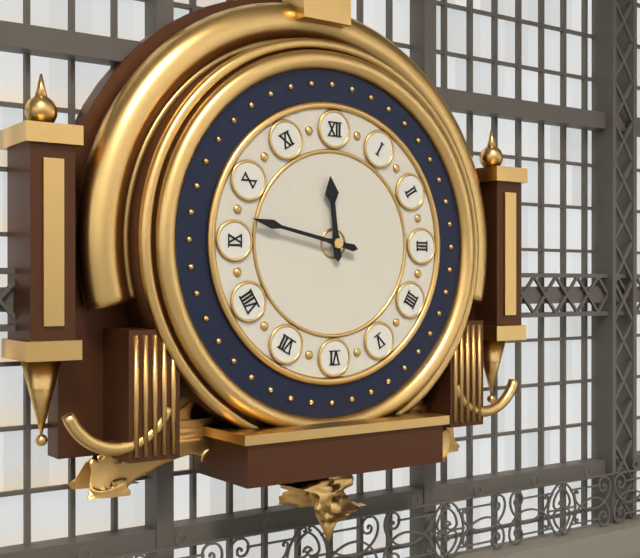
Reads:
h=11 m=47
